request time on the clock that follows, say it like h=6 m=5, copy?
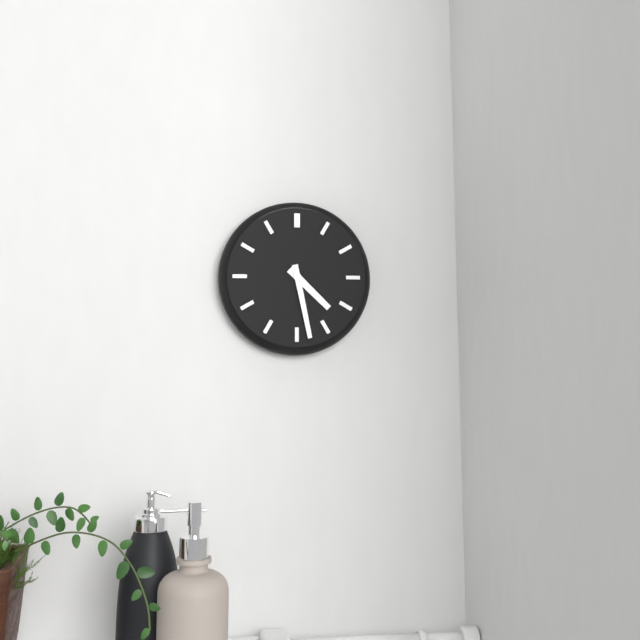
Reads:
h=4 m=28
